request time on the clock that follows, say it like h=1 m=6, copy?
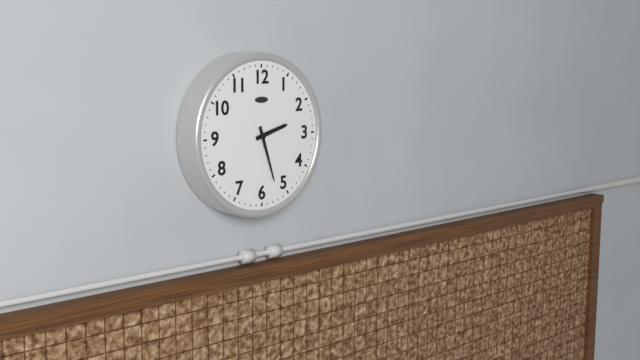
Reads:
h=2 m=27
